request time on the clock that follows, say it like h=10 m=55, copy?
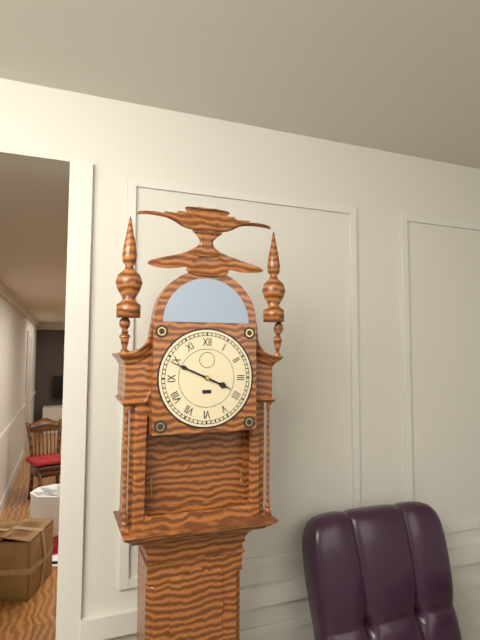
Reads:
h=3 m=49
